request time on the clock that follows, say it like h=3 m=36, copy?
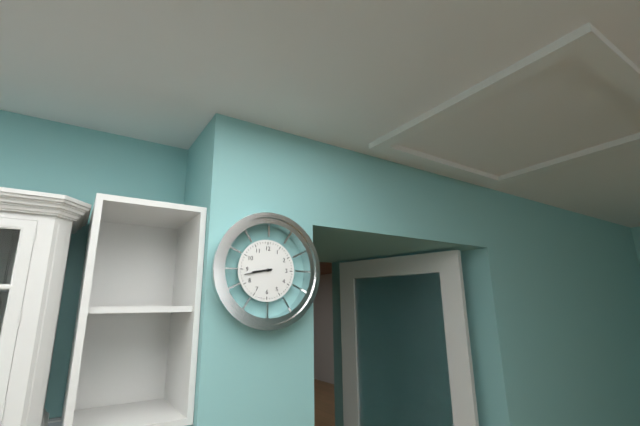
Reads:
h=8 m=43
